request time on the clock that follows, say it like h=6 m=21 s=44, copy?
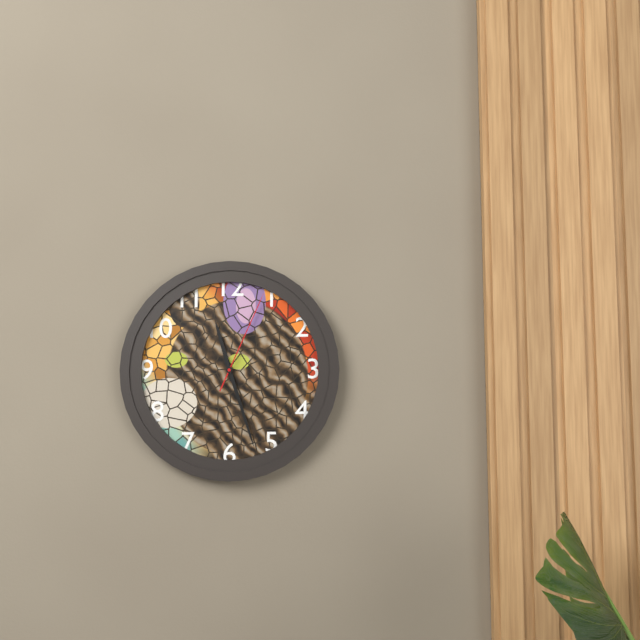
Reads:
h=11 m=27 s=4
